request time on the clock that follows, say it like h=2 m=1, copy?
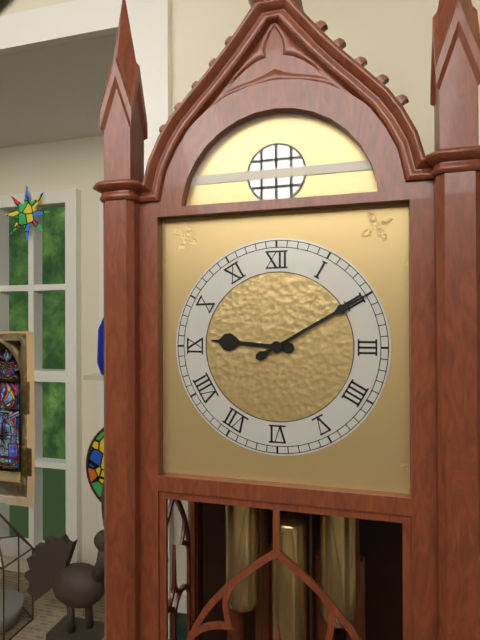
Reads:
h=9 m=10
